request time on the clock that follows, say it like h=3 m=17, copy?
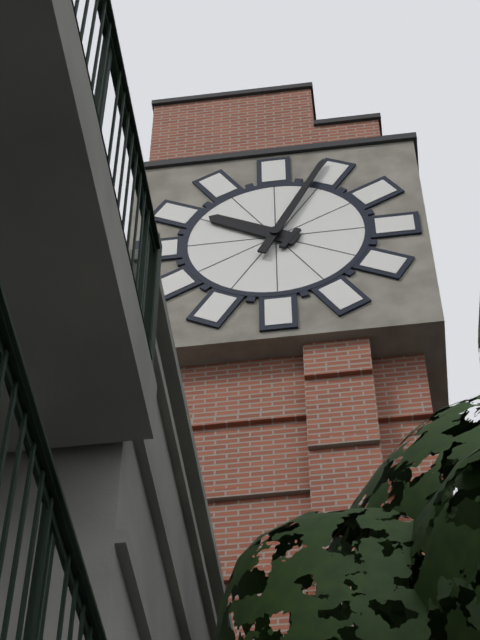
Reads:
h=10 m=4
